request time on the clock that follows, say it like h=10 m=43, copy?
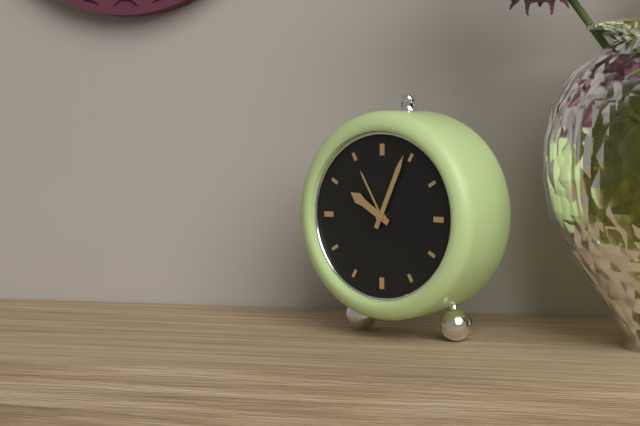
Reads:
h=10 m=4
